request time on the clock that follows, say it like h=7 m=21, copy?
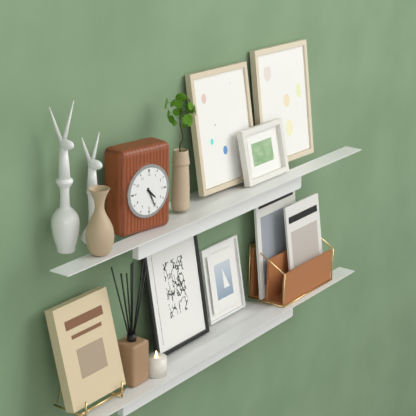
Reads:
h=4 m=26
